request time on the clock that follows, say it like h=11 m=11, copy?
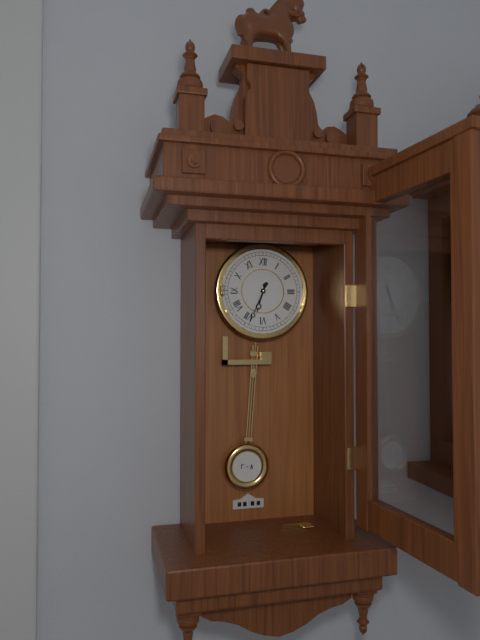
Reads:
h=6 m=34
